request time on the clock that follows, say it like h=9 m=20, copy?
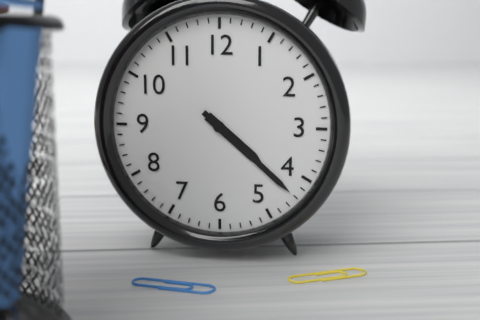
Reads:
h=4 m=22
